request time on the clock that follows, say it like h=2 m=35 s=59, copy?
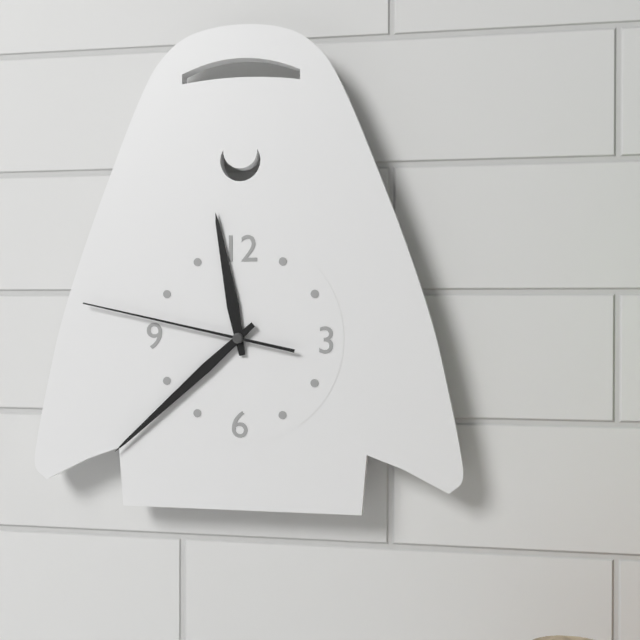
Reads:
h=11 m=38 s=47
